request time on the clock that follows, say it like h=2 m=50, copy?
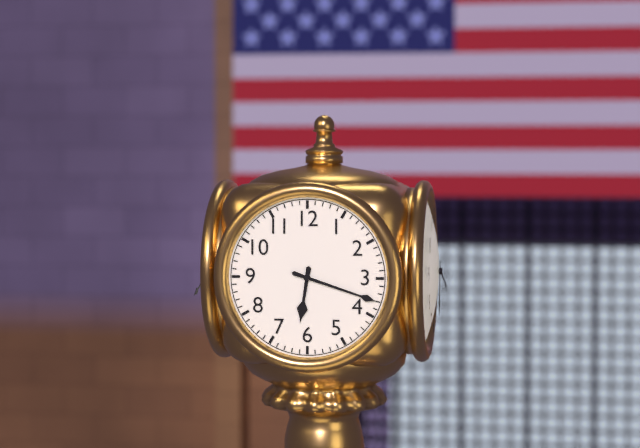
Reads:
h=6 m=18
